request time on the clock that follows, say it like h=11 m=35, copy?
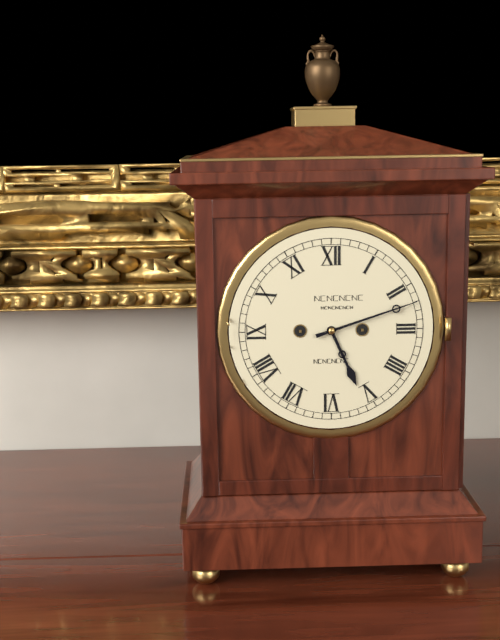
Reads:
h=5 m=12
